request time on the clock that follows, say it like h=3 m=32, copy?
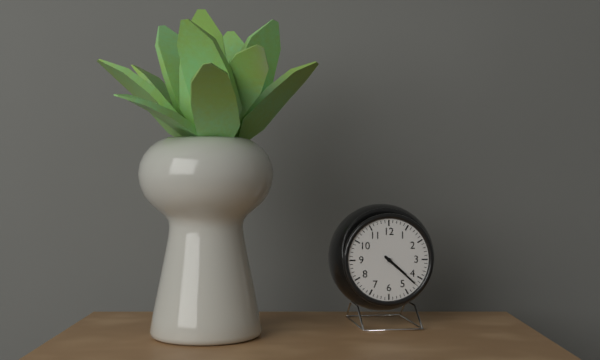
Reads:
h=4 m=22
